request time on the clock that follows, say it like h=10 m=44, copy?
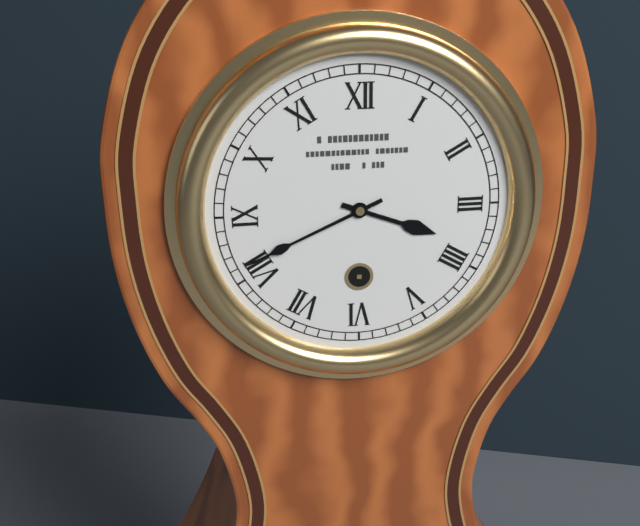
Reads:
h=3 m=41
